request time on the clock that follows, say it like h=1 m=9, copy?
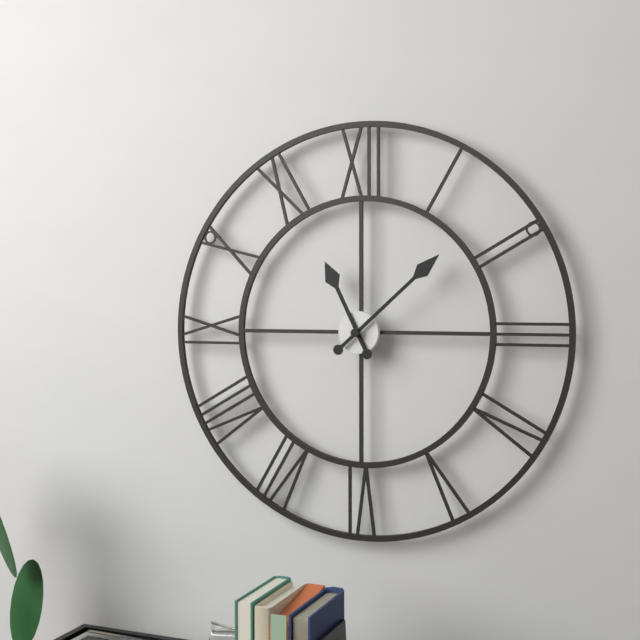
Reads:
h=11 m=8
